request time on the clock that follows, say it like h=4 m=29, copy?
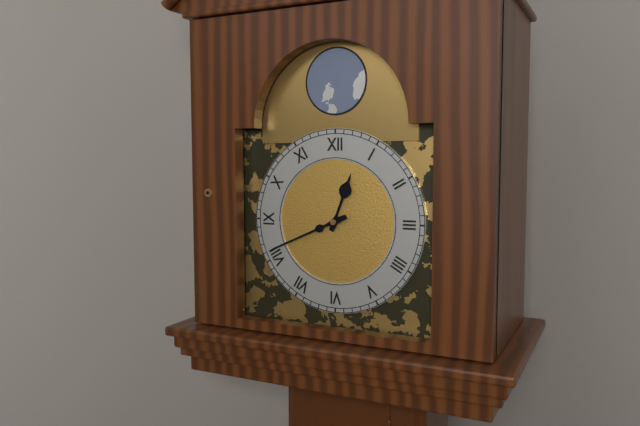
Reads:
h=12 m=41
